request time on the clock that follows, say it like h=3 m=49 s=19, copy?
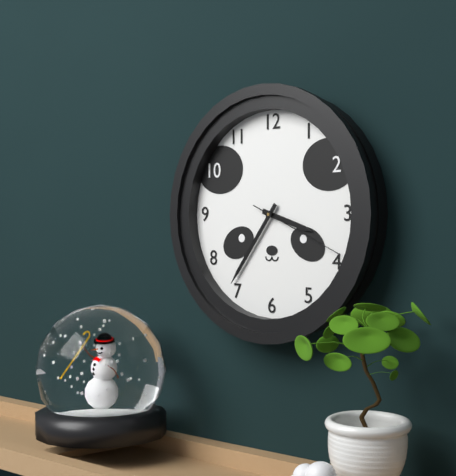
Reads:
h=3 m=36 s=19
